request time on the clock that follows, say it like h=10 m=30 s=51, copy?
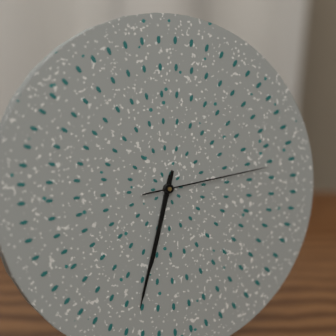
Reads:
h=6 m=33 s=14
